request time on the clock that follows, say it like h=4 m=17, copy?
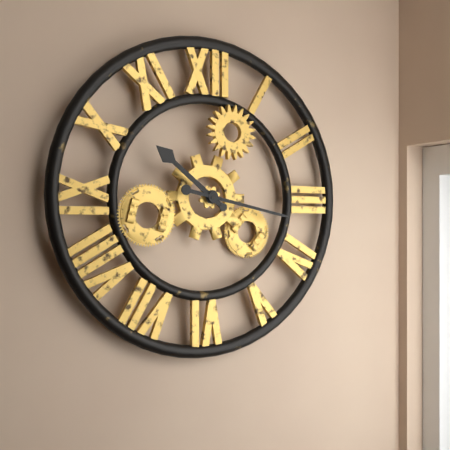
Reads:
h=10 m=17
